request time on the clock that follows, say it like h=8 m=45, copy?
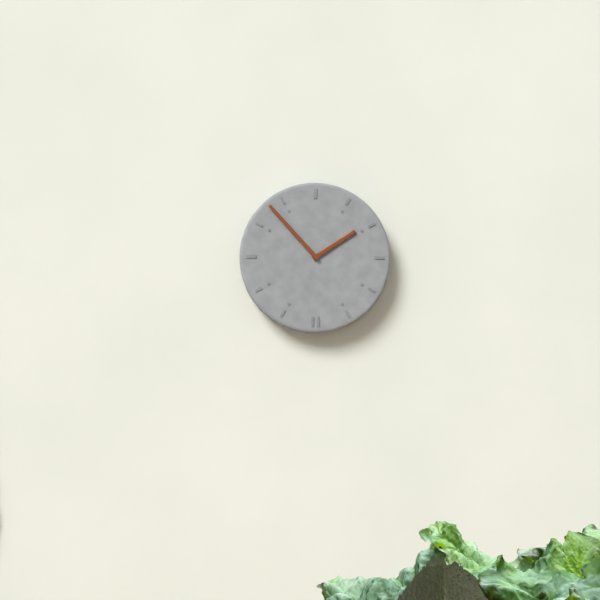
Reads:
h=1 m=53
